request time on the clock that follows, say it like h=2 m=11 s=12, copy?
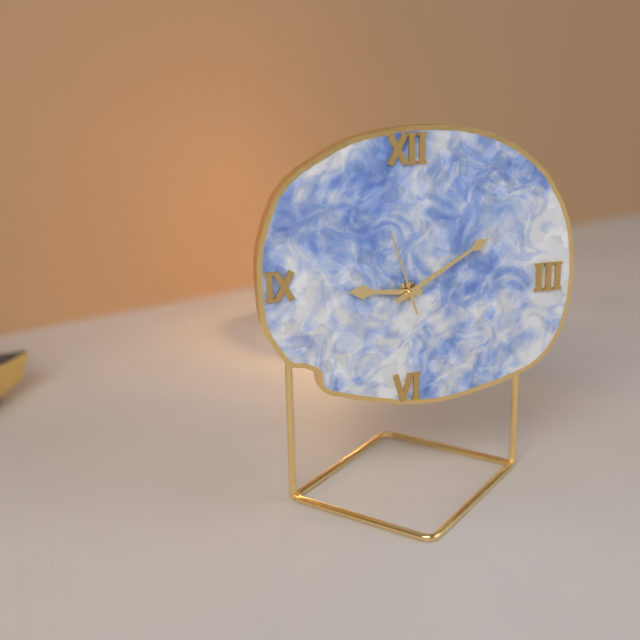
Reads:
h=9 m=10 s=57
